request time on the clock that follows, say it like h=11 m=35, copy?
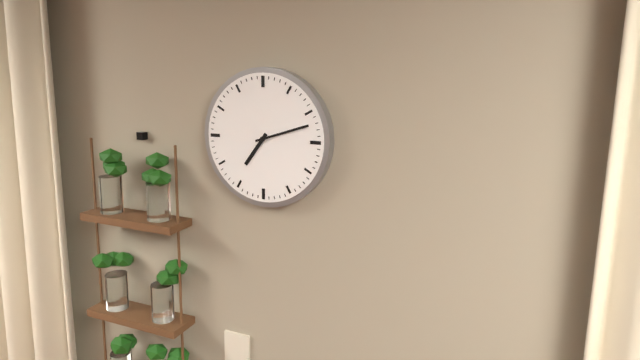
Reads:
h=7 m=12
